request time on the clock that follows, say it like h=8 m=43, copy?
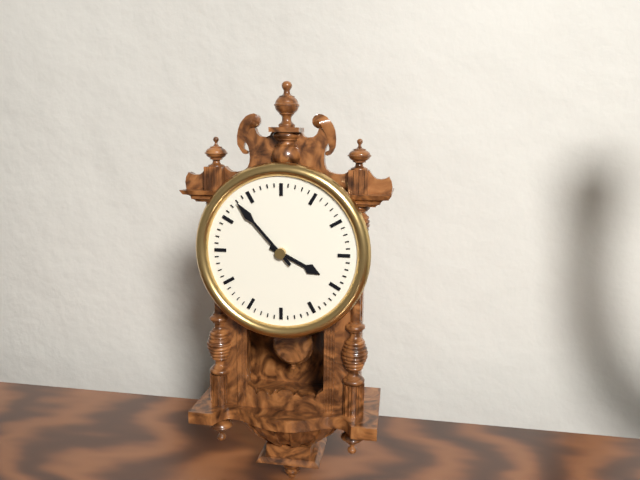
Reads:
h=3 m=53
